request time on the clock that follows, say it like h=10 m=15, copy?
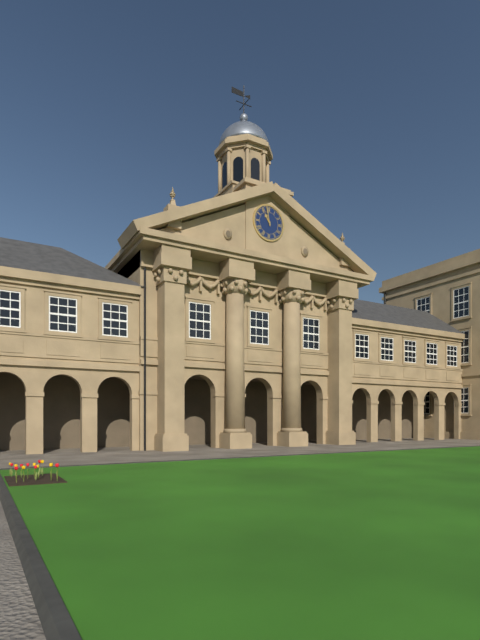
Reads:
h=10 m=58
